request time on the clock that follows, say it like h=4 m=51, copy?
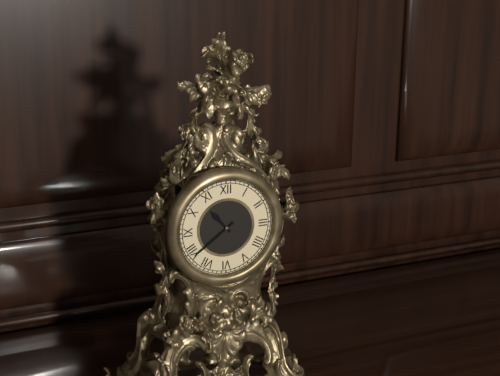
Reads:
h=10 m=39
